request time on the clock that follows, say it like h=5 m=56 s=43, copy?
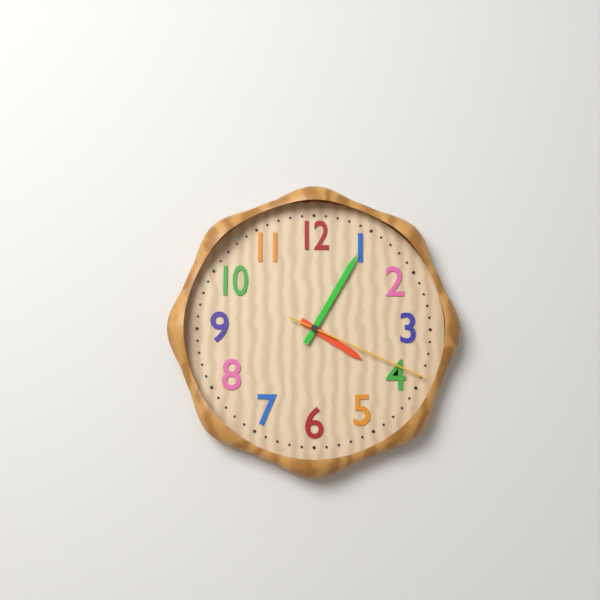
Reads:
h=4 m=5 s=19
